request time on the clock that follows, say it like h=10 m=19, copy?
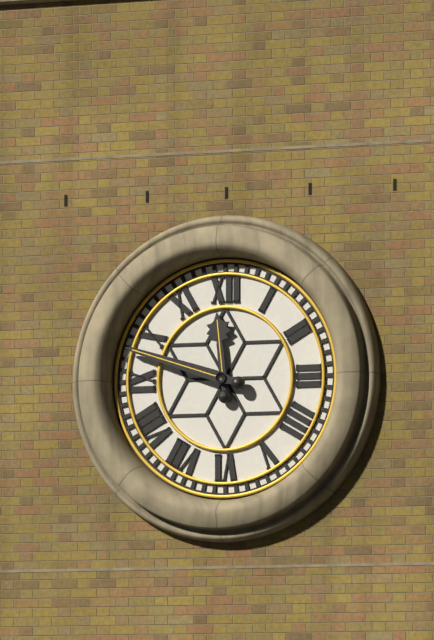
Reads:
h=11 m=48
